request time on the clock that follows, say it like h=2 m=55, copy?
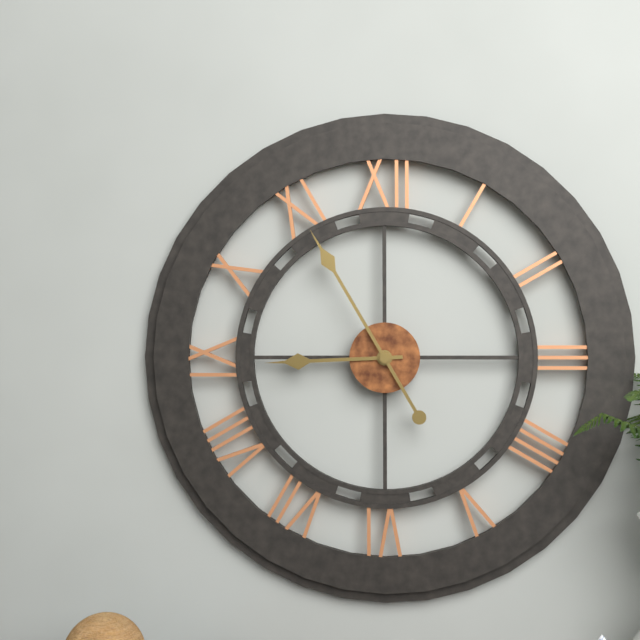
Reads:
h=8 m=55
